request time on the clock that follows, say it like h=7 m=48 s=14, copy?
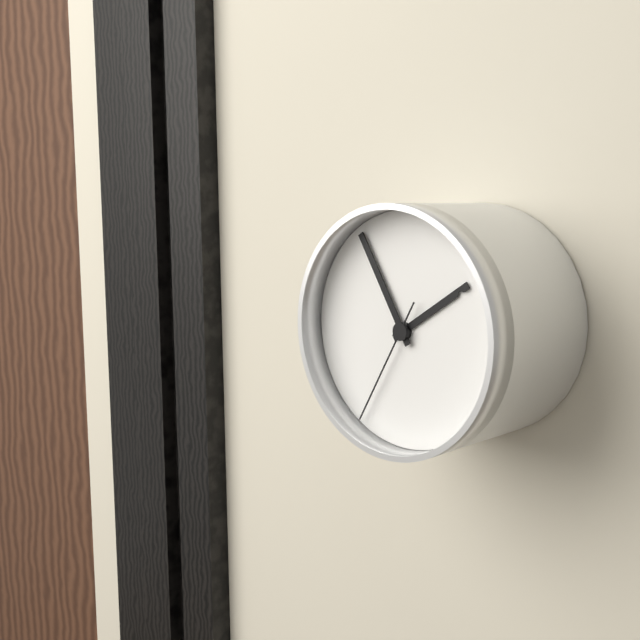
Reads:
h=1 m=55 s=35
